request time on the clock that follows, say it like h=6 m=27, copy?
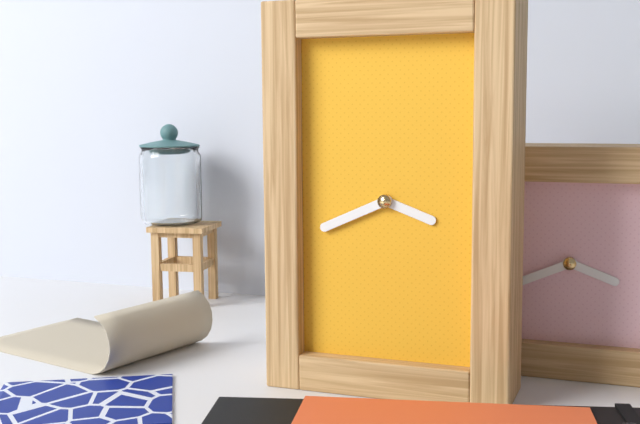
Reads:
h=3 m=41
